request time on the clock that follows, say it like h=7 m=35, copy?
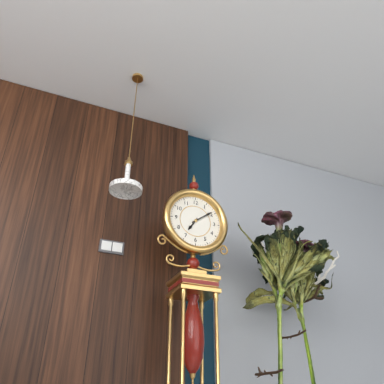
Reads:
h=7 m=9
